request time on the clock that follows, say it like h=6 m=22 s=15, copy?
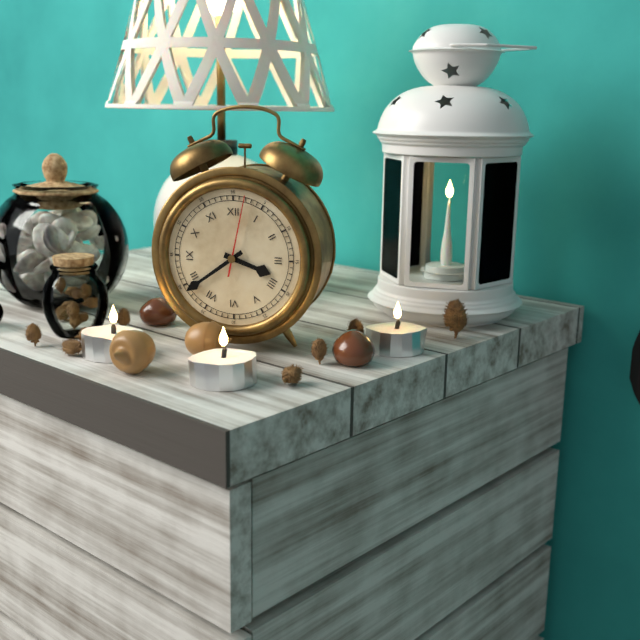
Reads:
h=3 m=39 s=2
